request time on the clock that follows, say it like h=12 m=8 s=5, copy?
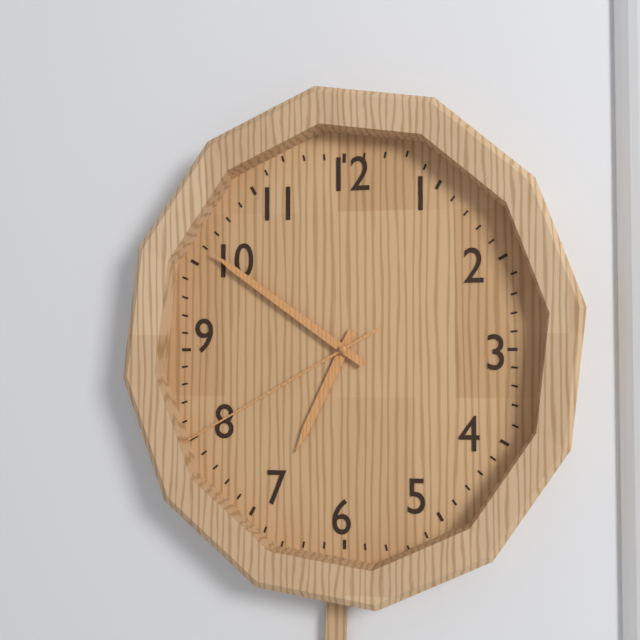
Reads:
h=6 m=51 s=40
